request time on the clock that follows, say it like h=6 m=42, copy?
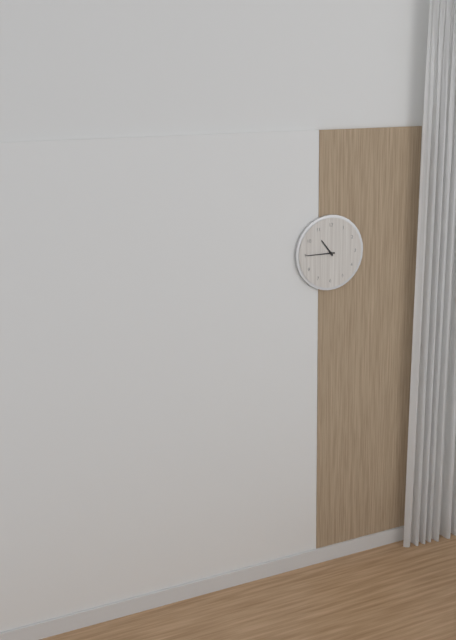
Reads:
h=10 m=45
